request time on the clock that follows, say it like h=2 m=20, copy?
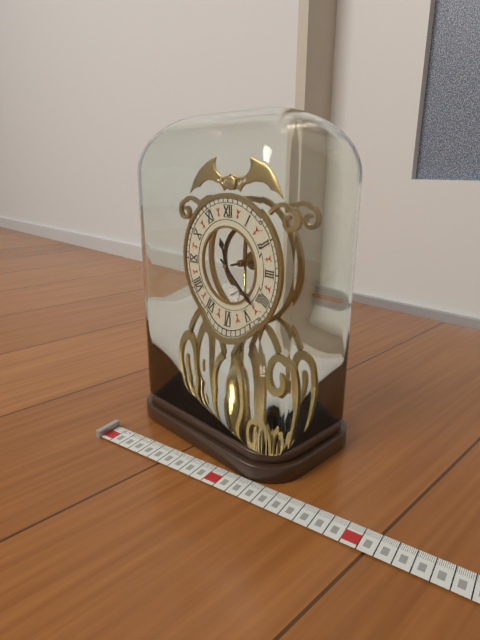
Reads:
h=11 m=22
